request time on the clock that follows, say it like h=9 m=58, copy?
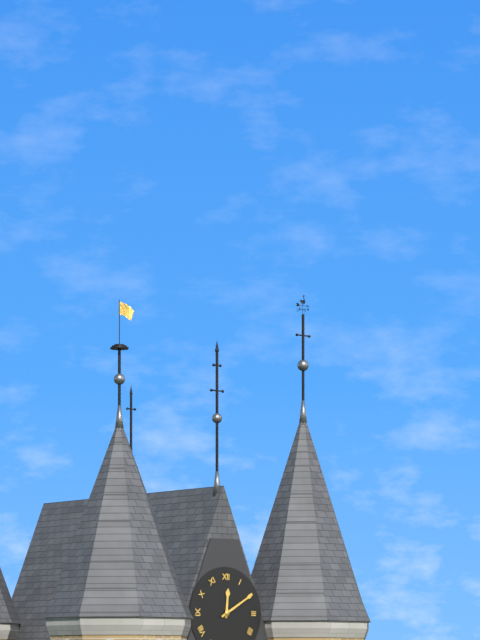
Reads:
h=12 m=10
